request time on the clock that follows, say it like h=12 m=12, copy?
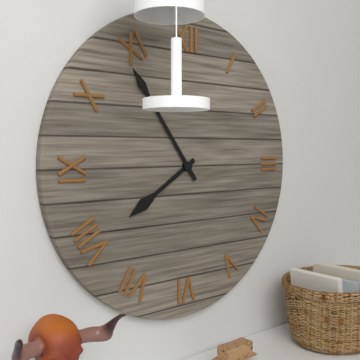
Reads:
h=7 m=54
